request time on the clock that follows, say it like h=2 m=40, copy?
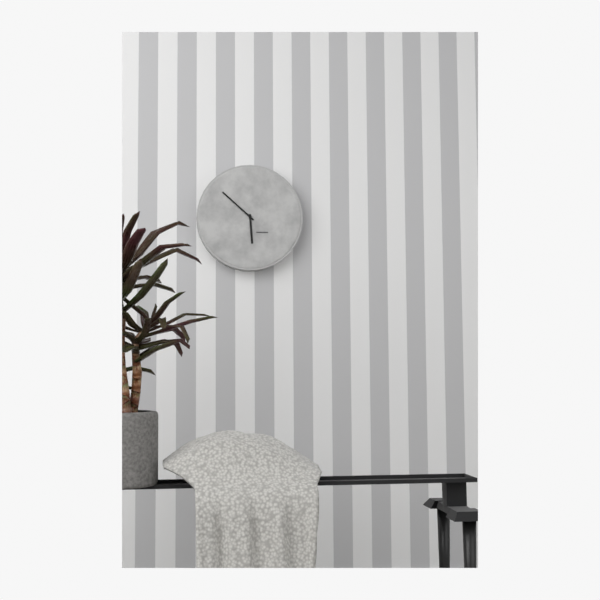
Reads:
h=5 m=52
